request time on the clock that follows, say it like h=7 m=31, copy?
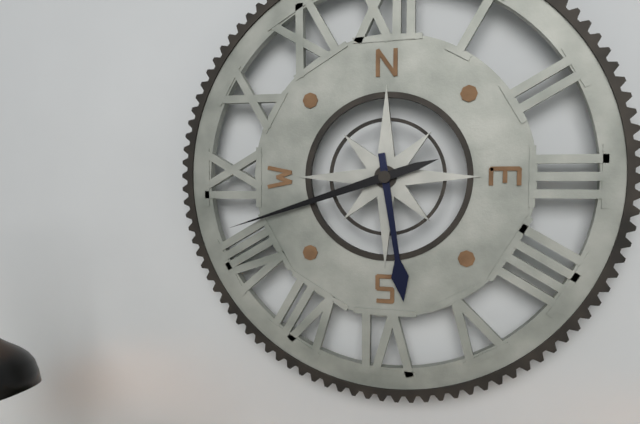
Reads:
h=5 m=42
